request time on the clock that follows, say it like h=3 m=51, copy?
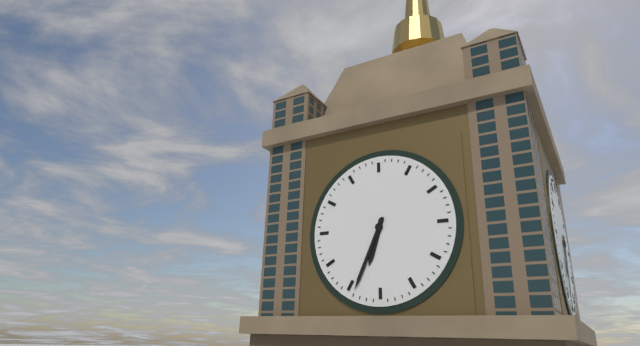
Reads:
h=6 m=34
